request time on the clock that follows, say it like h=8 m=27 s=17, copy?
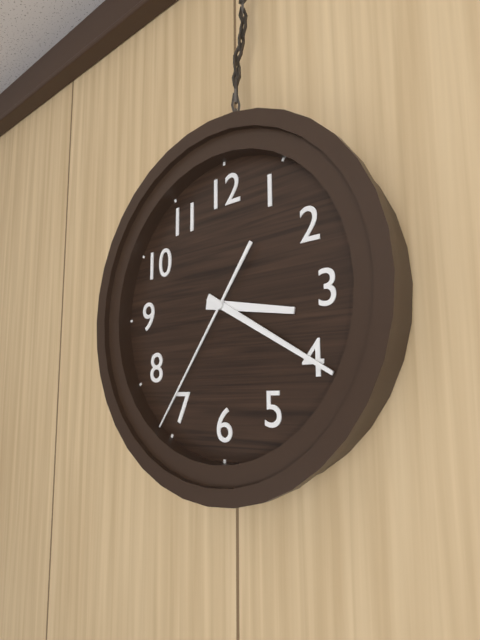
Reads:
h=3 m=20 s=36
